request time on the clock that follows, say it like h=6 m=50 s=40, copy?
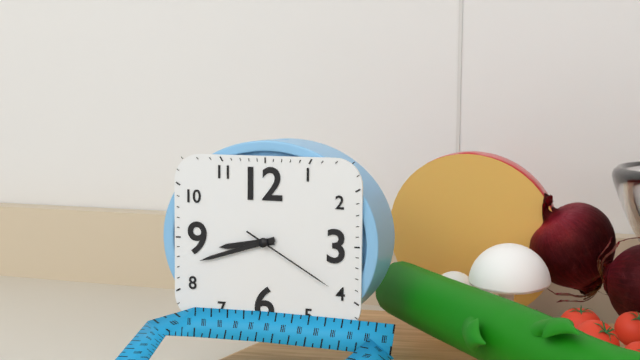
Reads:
h=8 m=42 s=20
